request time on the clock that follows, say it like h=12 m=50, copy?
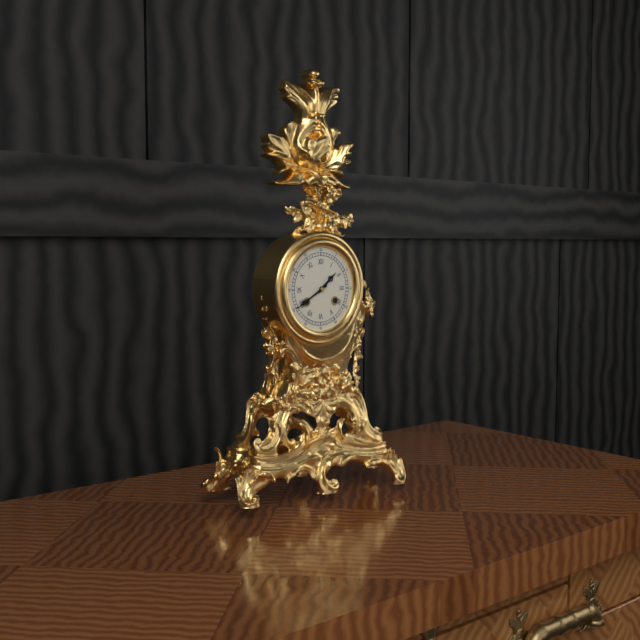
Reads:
h=1 m=40
